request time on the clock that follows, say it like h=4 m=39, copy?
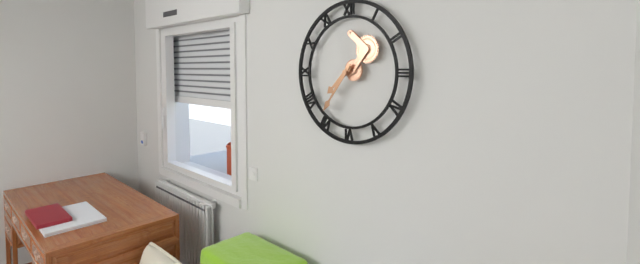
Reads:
h=7 m=36
